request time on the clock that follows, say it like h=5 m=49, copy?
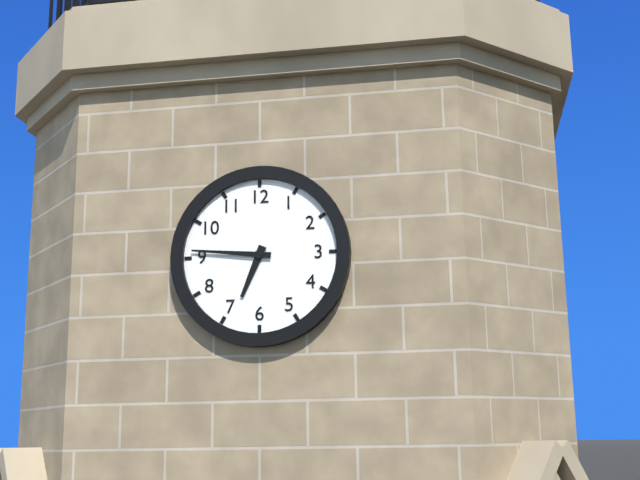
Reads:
h=6 m=46
